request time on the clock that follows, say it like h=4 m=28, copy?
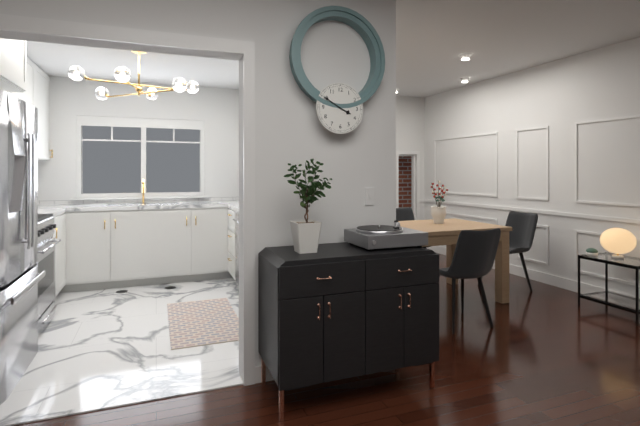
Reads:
h=3 m=50
